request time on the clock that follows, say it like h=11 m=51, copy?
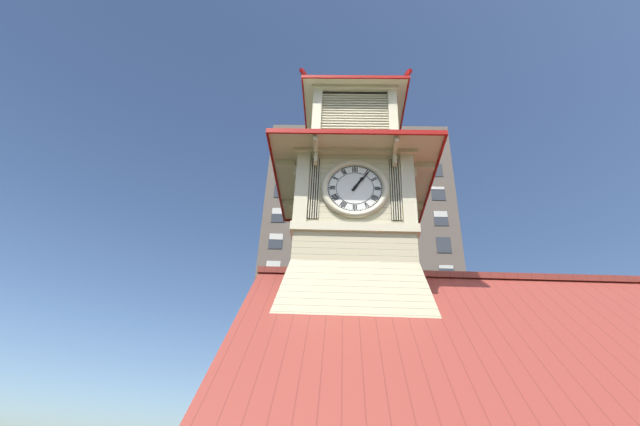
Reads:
h=1 m=6
